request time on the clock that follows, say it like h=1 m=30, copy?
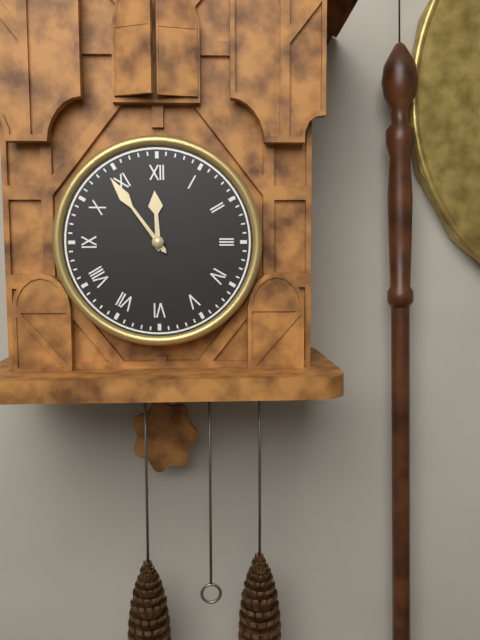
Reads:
h=11 m=54
